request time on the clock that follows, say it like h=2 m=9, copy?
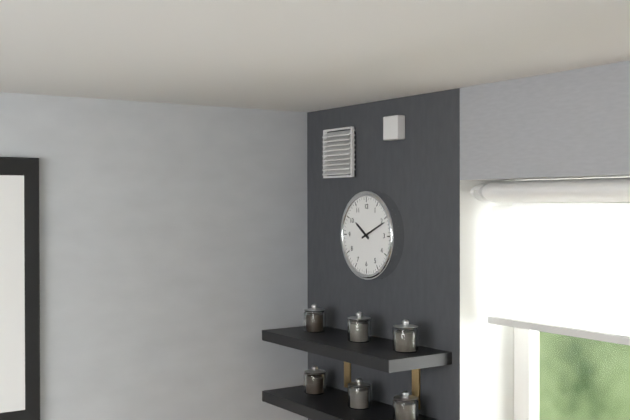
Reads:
h=10 m=11
